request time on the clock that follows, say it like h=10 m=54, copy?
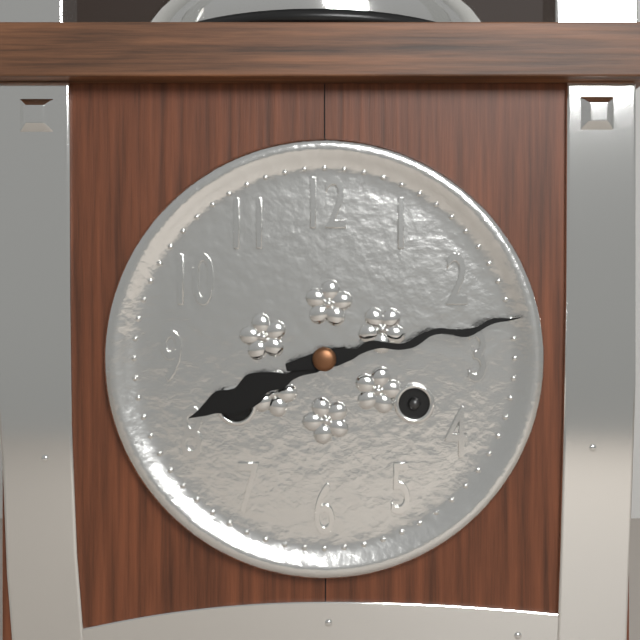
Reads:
h=8 m=13
